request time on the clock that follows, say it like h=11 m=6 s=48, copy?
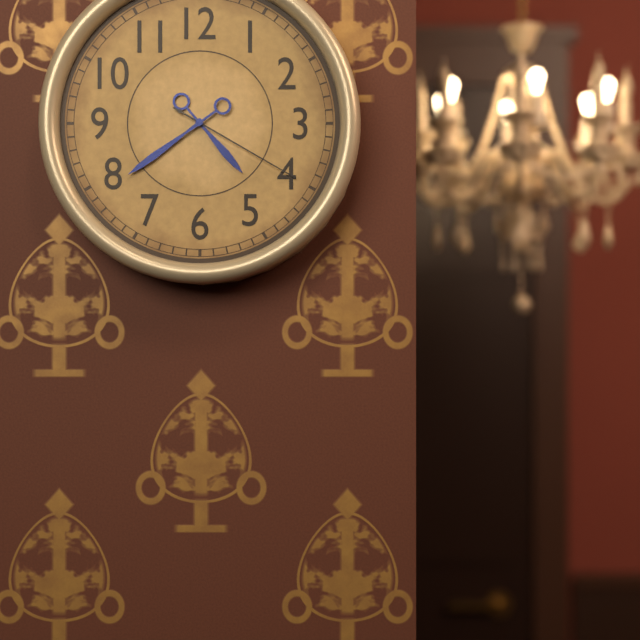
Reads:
h=4 m=39 s=20
